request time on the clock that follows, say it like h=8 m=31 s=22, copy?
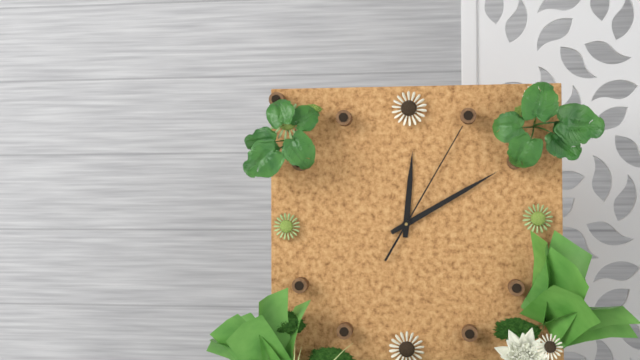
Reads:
h=12 m=10 s=5
